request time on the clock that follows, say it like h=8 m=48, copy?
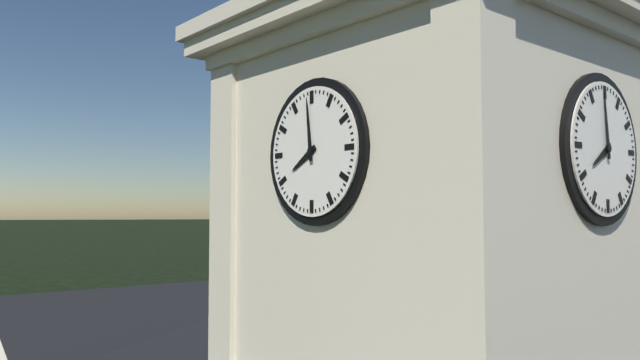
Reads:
h=7 m=59
